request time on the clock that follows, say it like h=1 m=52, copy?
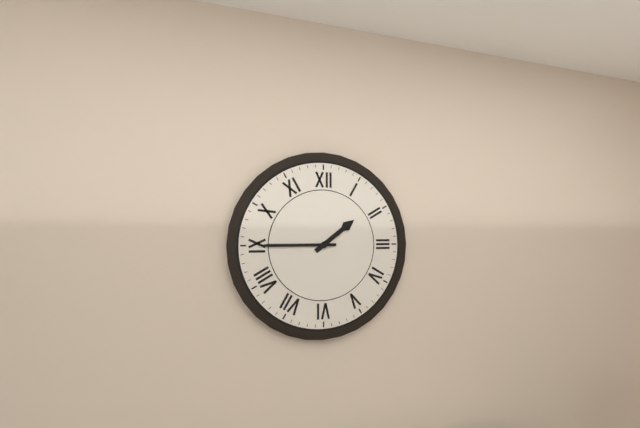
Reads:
h=1 m=45
